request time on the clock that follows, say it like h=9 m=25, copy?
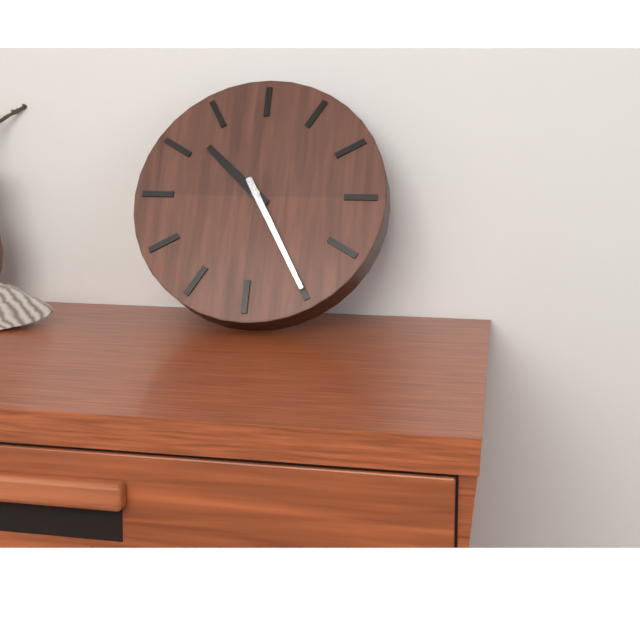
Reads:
h=10 m=25
